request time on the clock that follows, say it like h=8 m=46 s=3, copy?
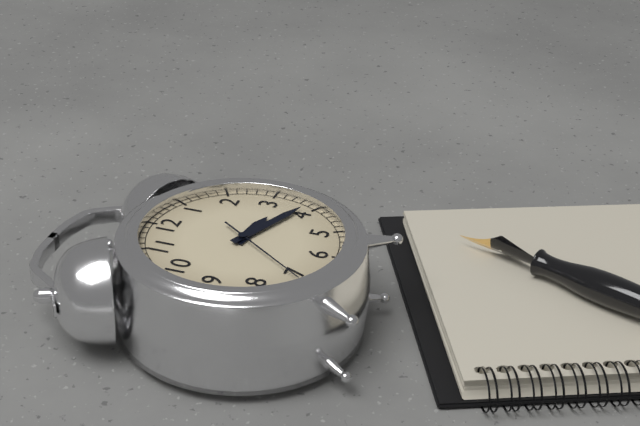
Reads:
h=3 m=19 s=36
